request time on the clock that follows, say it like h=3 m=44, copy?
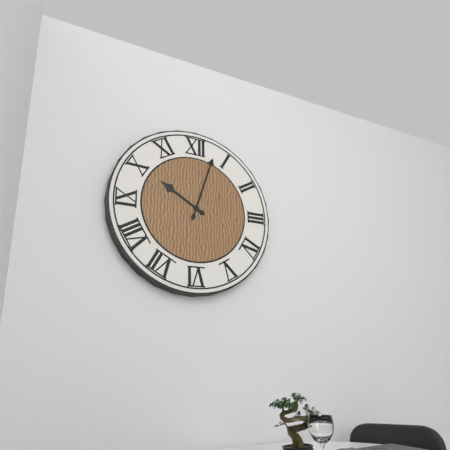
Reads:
h=10 m=3
